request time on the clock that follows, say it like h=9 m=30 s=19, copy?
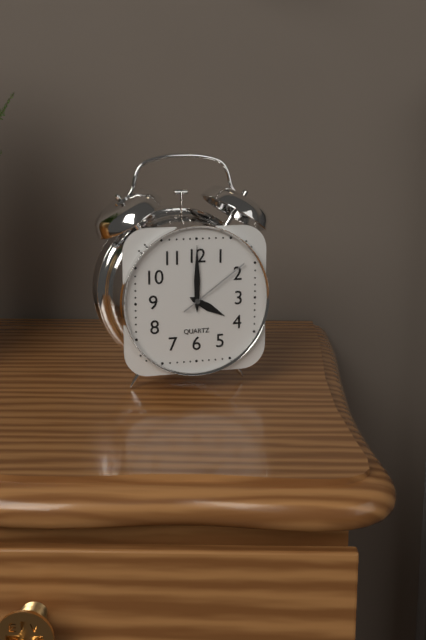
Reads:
h=4 m=0 s=9
